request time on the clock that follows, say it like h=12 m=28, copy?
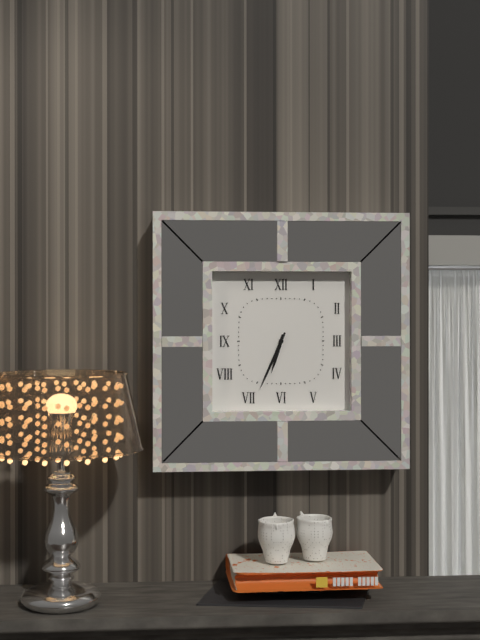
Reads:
h=6 m=34
